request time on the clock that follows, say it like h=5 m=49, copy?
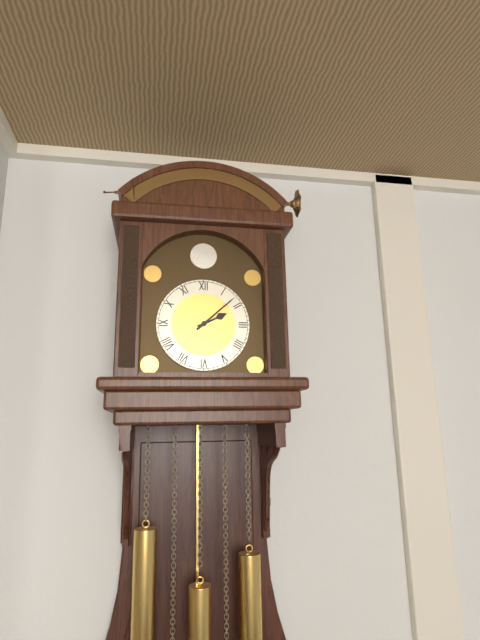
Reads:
h=2 m=8
